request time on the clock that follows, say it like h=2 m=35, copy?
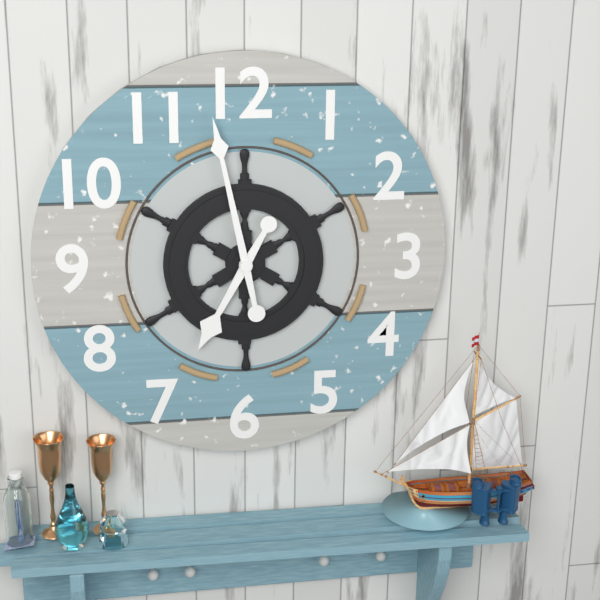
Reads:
h=6 m=58
